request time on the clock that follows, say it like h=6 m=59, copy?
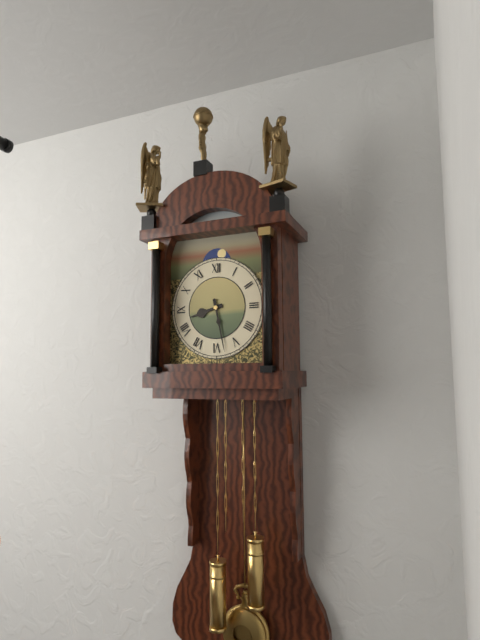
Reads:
h=8 m=28
